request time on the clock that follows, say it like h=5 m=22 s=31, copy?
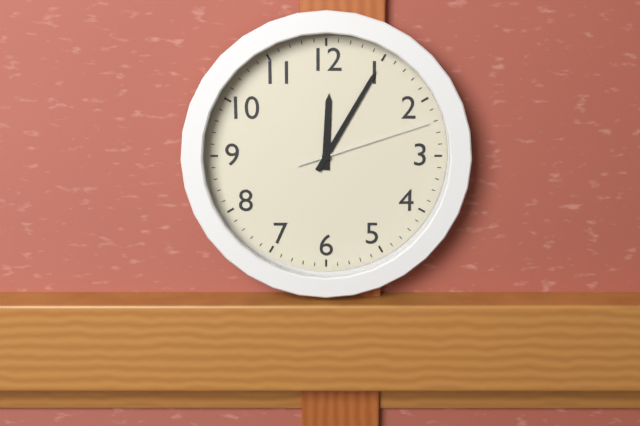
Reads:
h=12 m=5 s=12
